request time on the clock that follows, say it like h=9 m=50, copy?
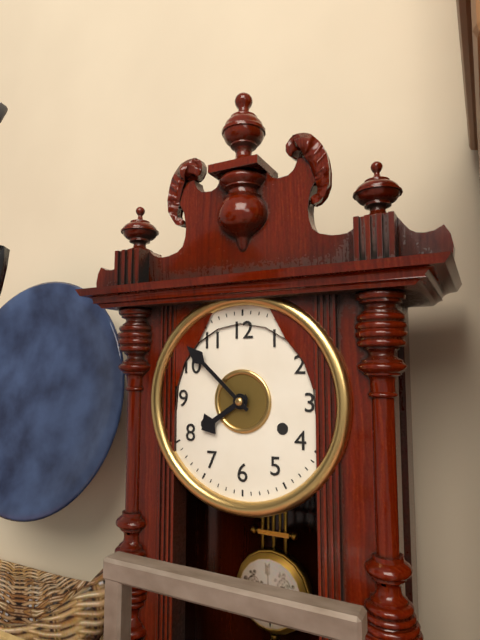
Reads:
h=7 m=52
